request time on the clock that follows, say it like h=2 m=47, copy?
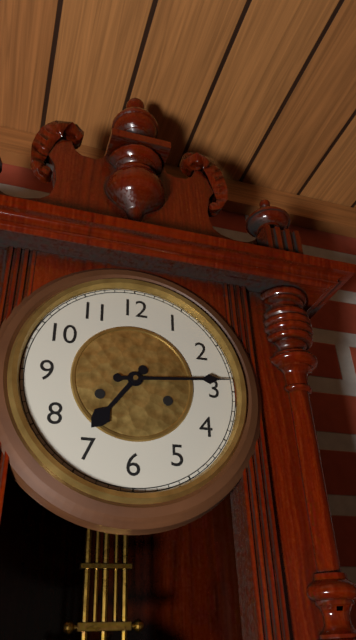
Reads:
h=7 m=14
